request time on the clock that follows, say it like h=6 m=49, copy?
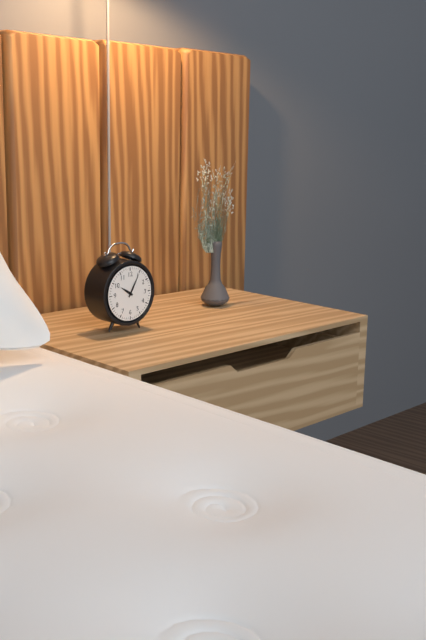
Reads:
h=10 m=5
